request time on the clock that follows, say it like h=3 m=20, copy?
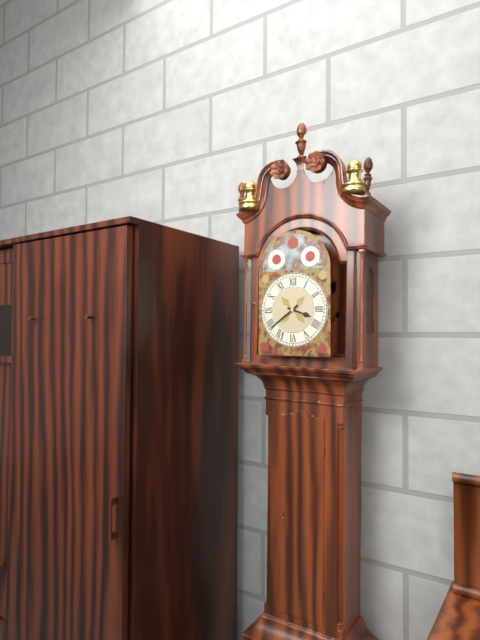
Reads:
h=3 m=39
